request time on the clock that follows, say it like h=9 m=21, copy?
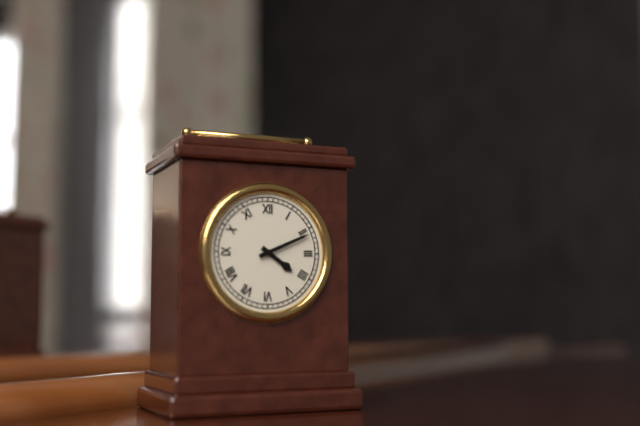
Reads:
h=4 m=11
